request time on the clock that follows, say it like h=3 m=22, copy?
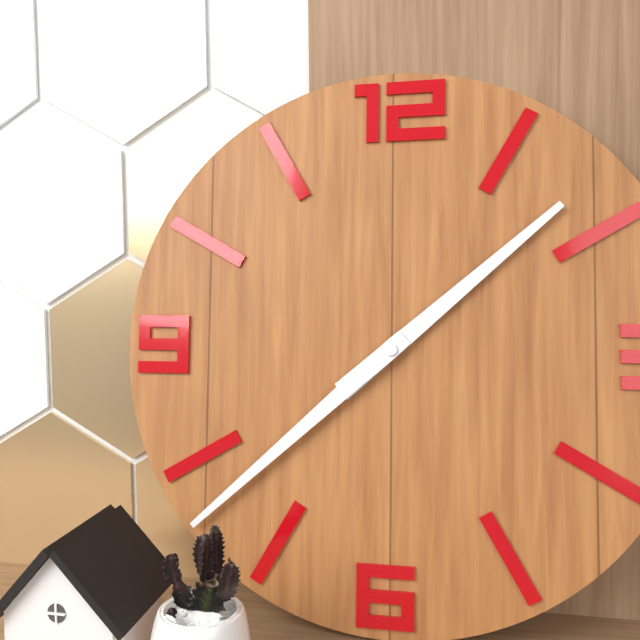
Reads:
h=1 m=38
